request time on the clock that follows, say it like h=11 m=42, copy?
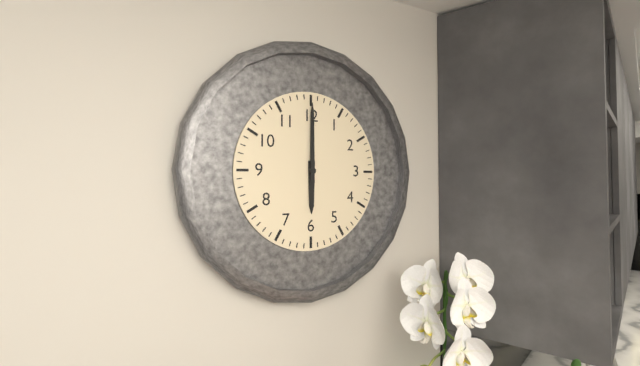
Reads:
h=6 m=0
